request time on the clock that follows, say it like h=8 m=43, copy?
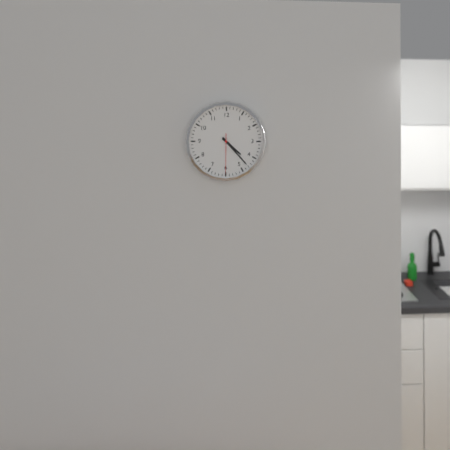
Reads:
h=4 m=23
